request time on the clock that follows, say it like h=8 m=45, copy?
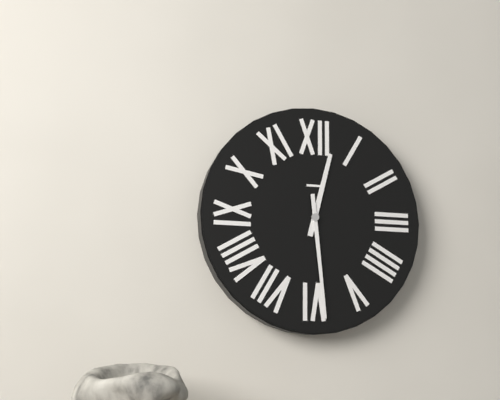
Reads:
h=12 m=29
